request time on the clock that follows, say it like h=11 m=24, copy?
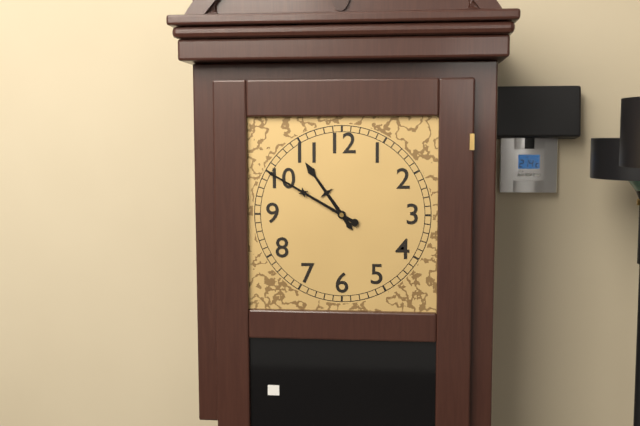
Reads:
h=10 m=50
